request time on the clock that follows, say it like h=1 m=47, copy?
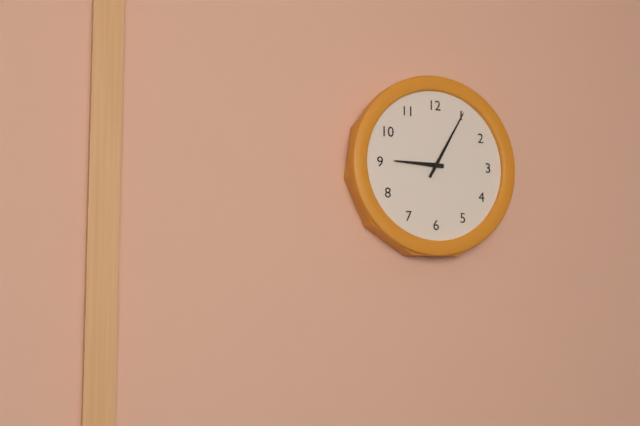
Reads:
h=9 m=5
